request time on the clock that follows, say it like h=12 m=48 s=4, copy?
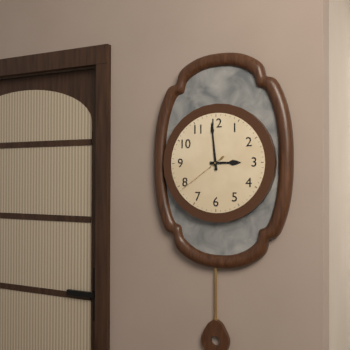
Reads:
h=2 m=59 s=39
